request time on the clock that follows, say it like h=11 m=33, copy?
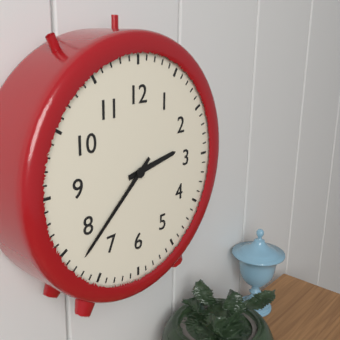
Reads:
h=2 m=38
